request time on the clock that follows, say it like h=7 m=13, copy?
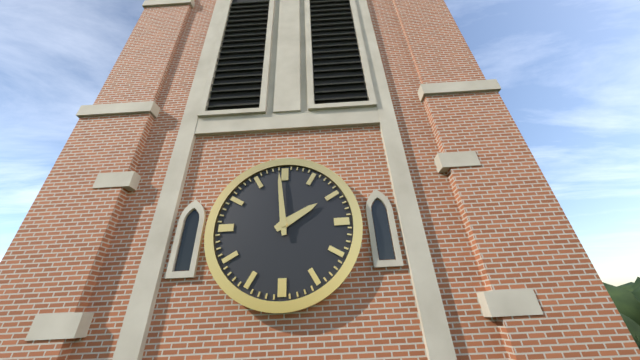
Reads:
h=1 m=59
